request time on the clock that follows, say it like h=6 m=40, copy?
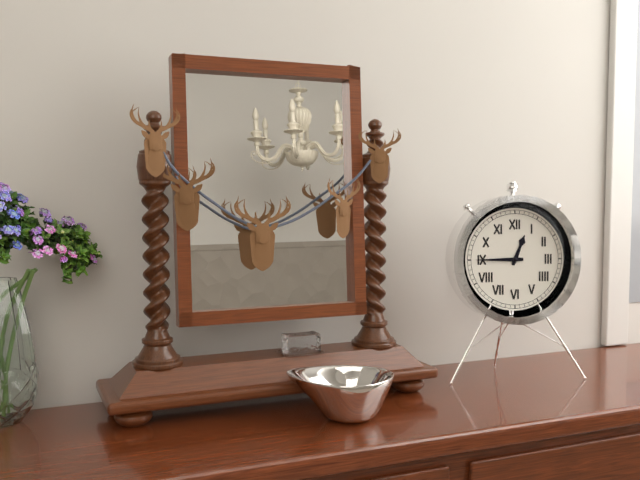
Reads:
h=12 m=45
